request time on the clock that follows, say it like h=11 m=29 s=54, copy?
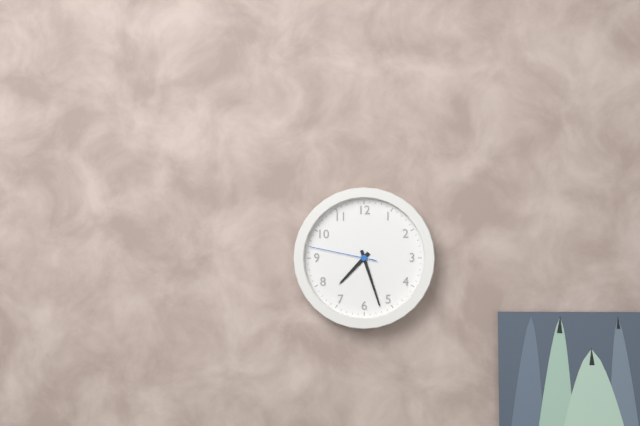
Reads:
h=7 m=27 s=47
